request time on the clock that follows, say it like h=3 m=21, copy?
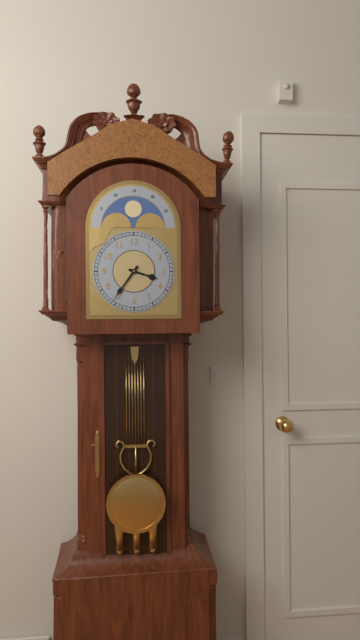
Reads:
h=3 m=36
